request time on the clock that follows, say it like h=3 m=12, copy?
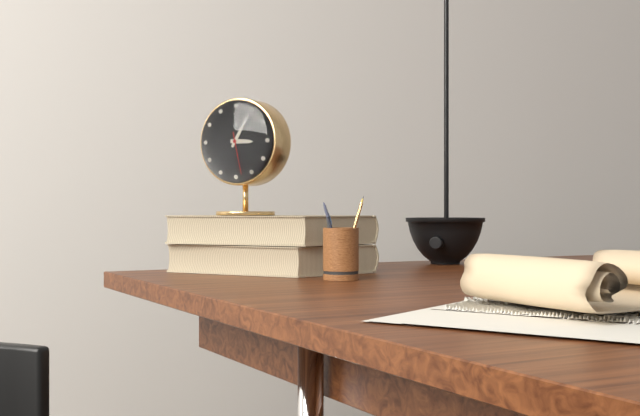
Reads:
h=3 m=5
